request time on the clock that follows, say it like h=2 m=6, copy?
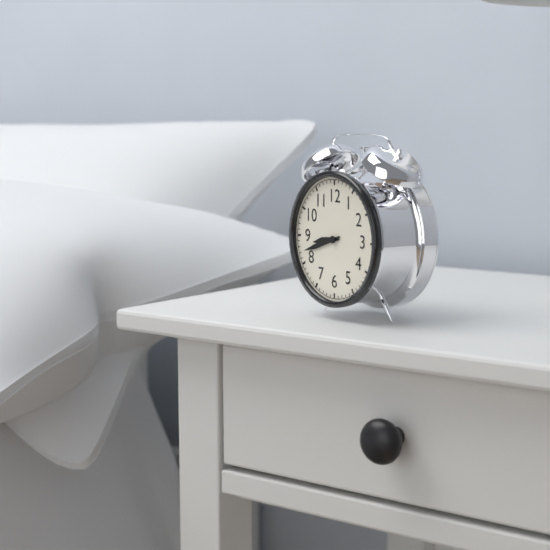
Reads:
h=8 m=42
